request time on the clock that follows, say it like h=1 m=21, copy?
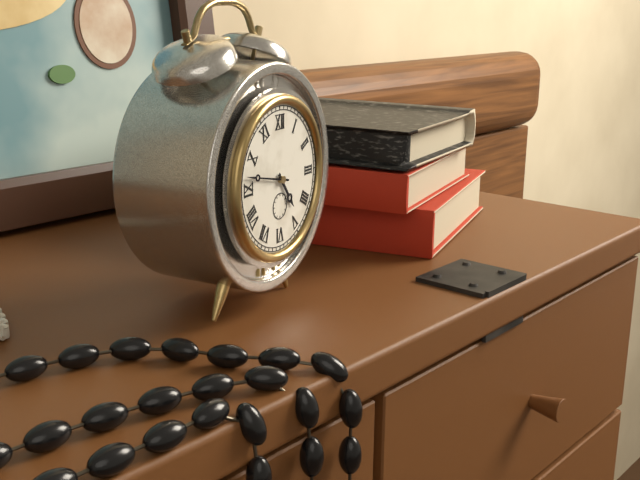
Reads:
h=4 m=47
